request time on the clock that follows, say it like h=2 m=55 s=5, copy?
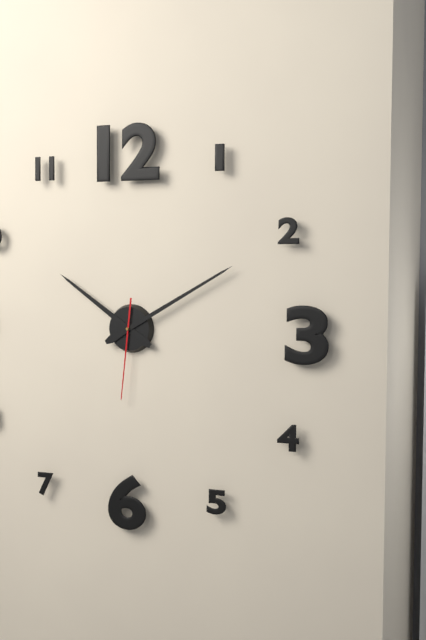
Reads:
h=10 m=10 s=31
